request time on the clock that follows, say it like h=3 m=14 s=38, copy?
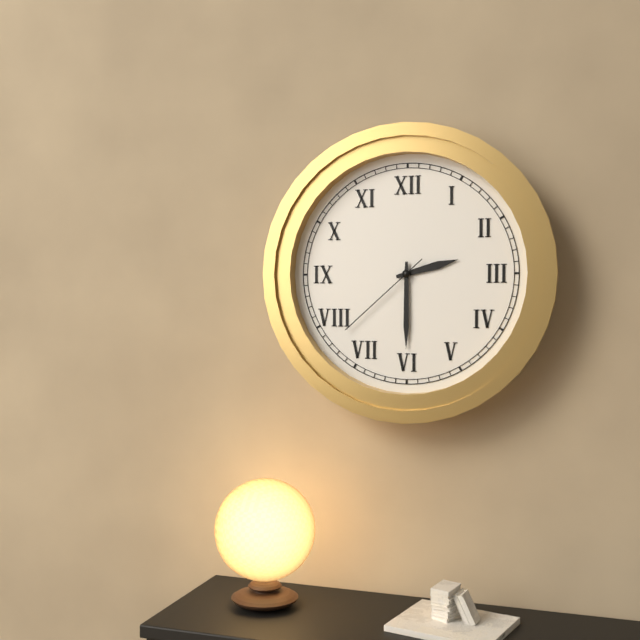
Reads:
h=2 m=30 s=38
